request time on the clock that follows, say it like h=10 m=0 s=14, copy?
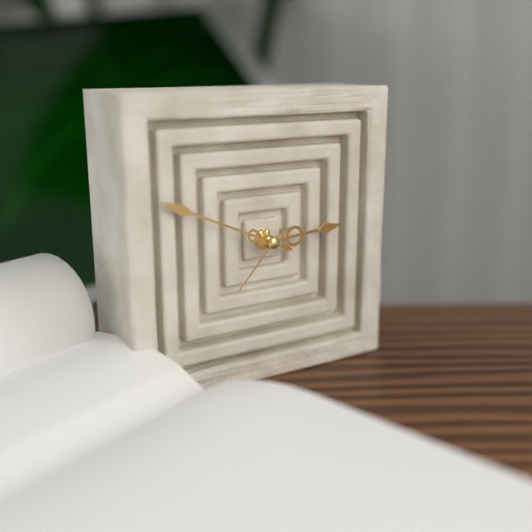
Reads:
h=2 m=49 s=37
